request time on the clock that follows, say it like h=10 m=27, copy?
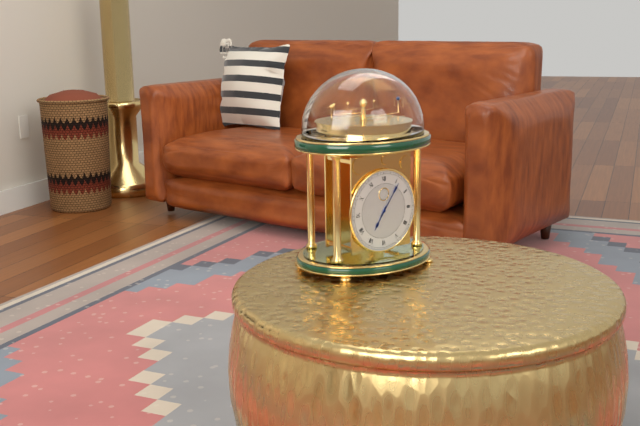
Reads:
h=7 m=6
